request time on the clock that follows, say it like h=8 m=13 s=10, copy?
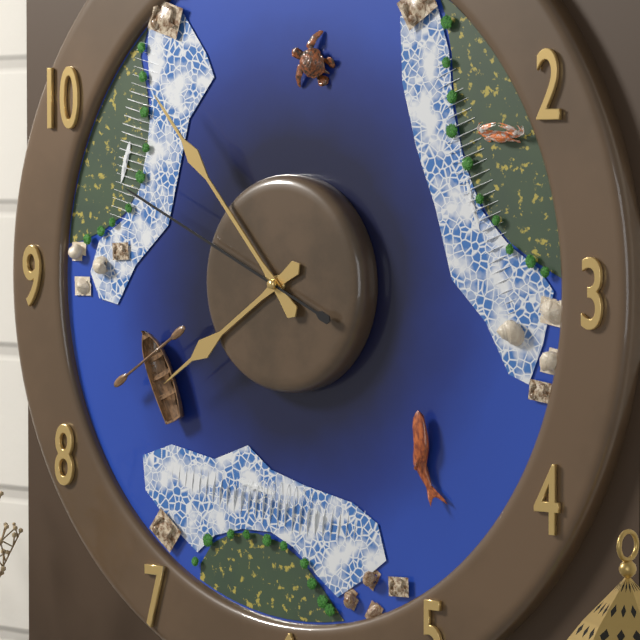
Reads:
h=7 m=53 s=49
